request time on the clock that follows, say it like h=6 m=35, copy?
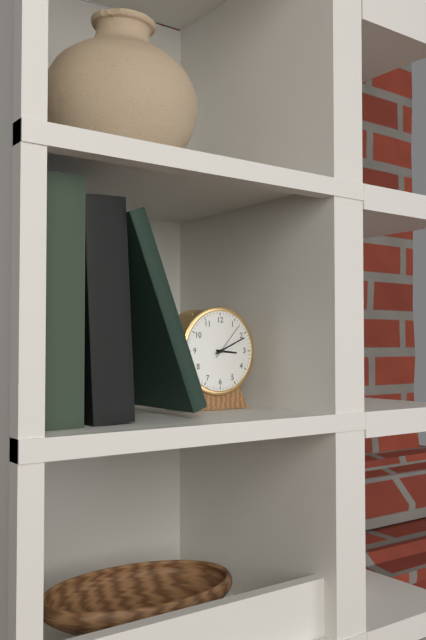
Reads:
h=3 m=11
